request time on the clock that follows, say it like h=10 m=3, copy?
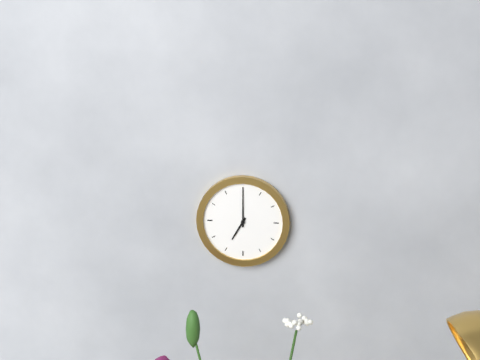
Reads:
h=7 m=0
